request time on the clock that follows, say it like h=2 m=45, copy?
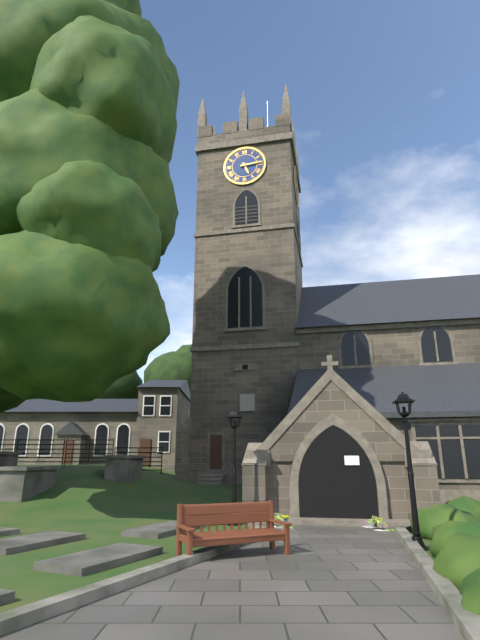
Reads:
h=5 m=14
